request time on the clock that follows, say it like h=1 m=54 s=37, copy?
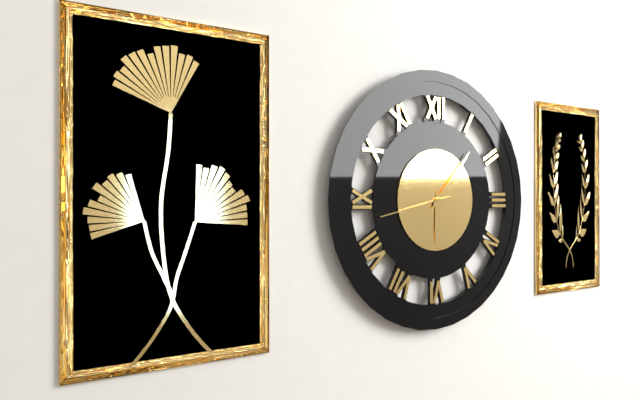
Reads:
h=6 m=7 s=43
